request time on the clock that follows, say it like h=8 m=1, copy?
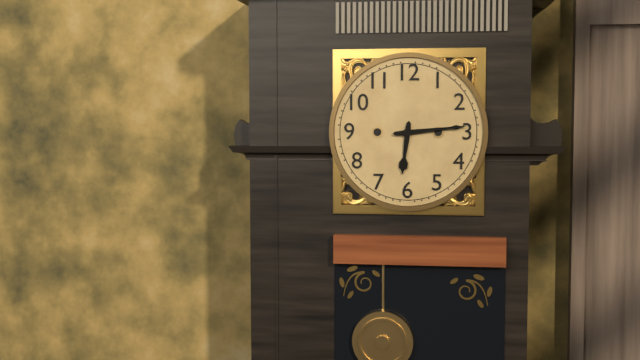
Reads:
h=6 m=14
